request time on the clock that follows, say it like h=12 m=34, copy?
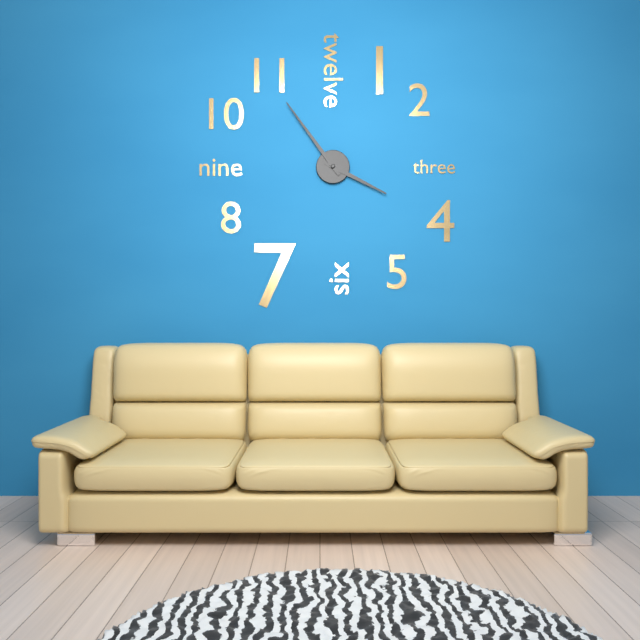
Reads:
h=3 m=54
